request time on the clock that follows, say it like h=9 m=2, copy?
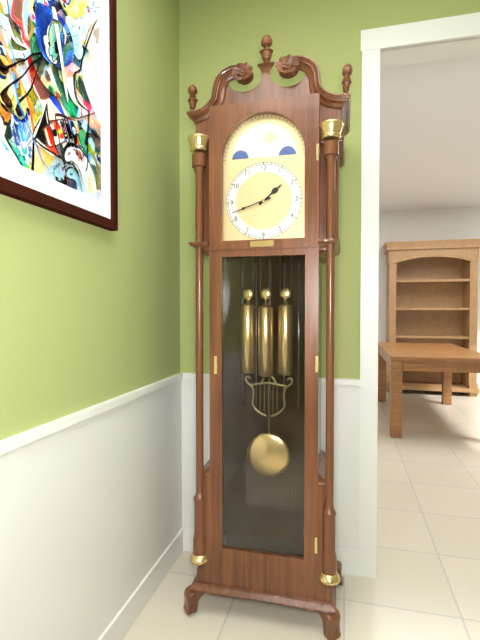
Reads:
h=1 m=42
